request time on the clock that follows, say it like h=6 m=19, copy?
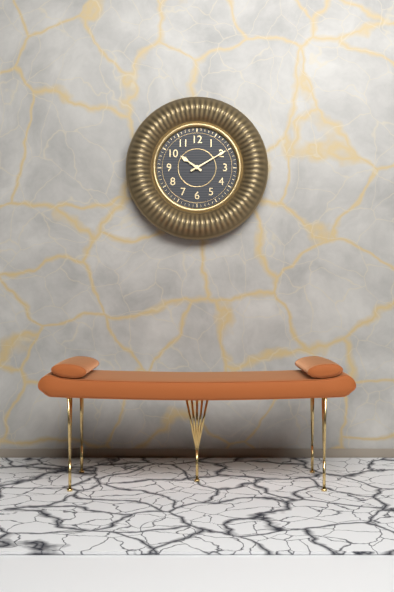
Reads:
h=10 m=10
